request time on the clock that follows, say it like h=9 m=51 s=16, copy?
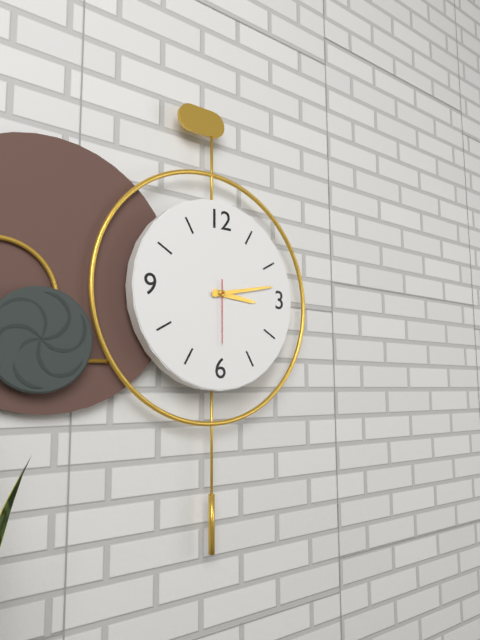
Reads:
h=3 m=13 s=30
